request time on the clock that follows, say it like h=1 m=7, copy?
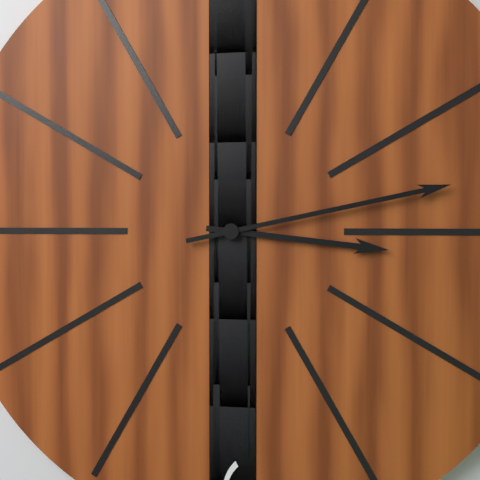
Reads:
h=3 m=13
